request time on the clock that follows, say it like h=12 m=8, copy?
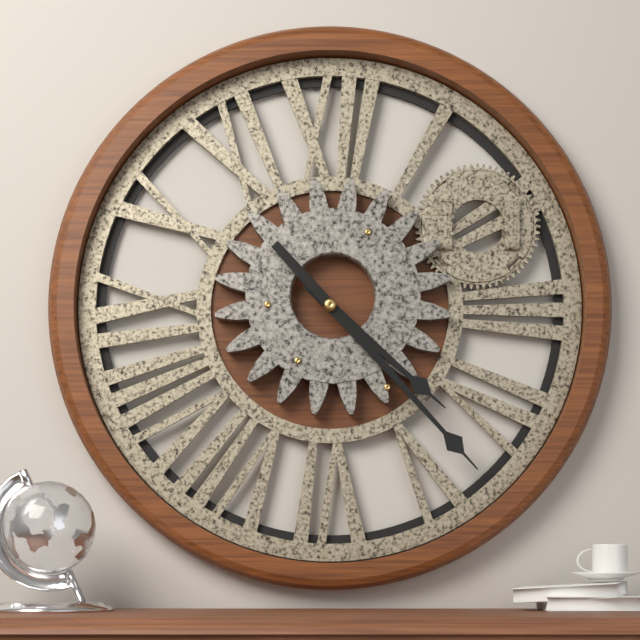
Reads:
h=4 m=23
